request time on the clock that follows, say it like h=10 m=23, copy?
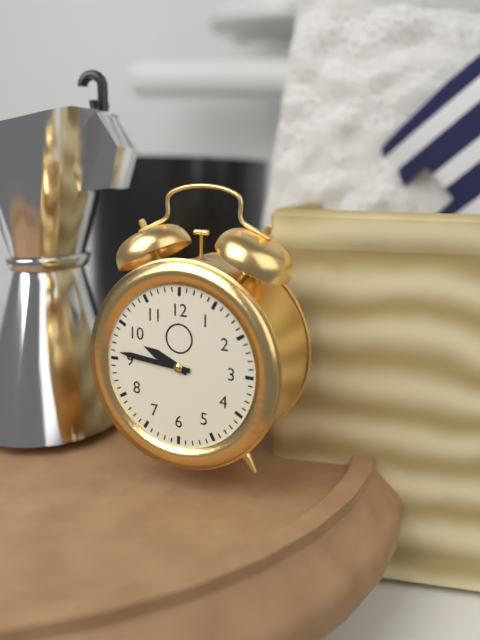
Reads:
h=9 m=46
